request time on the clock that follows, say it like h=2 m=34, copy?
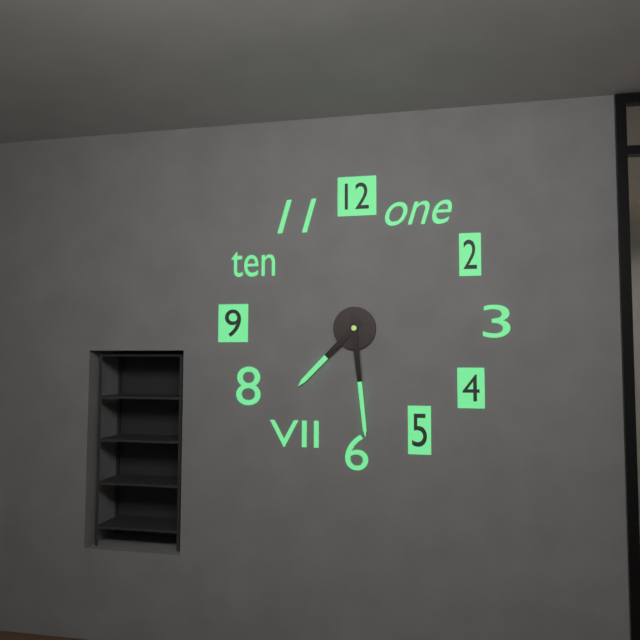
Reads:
h=7 m=29
